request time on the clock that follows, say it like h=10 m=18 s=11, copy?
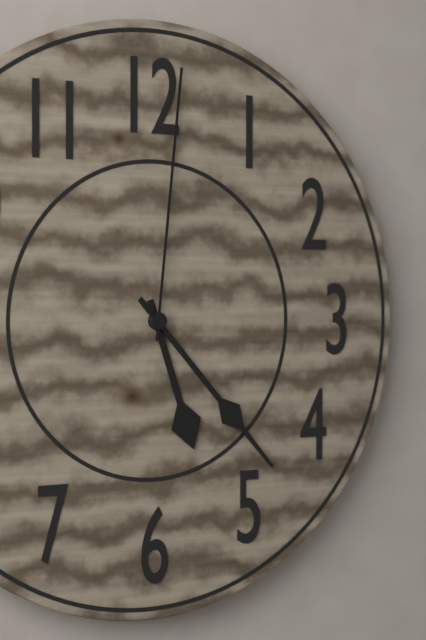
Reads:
h=5 m=23 s=1
